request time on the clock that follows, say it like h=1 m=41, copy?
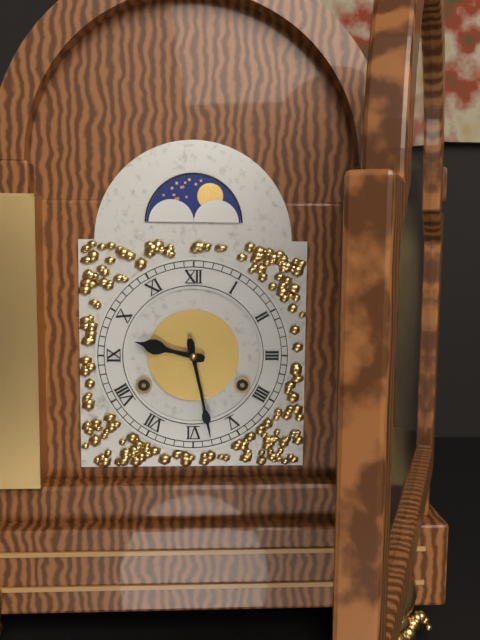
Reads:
h=9 m=28
